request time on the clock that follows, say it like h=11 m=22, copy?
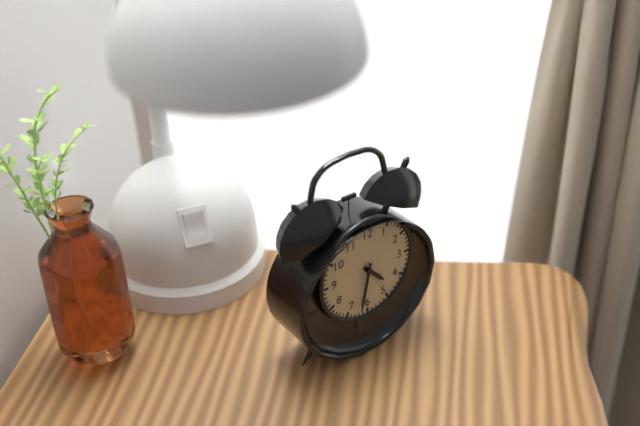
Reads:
h=4 m=32
